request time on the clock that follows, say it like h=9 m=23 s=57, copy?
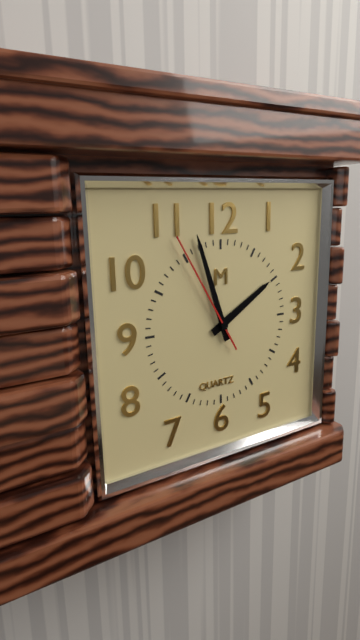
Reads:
h=1 m=57 s=55
